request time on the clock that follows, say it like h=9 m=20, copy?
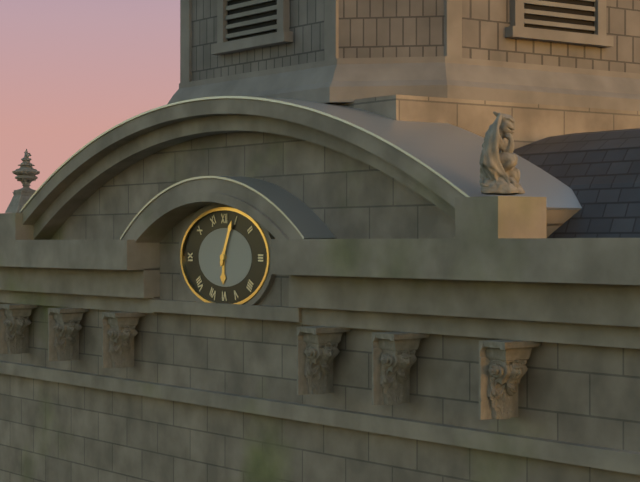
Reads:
h=6 m=4
